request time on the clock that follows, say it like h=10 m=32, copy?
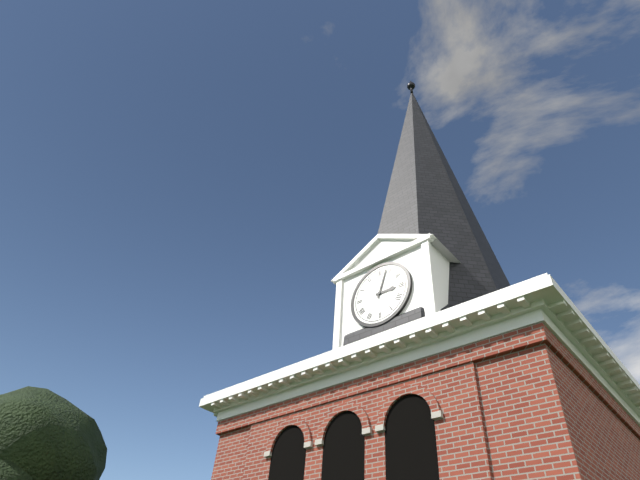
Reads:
h=3 m=3
